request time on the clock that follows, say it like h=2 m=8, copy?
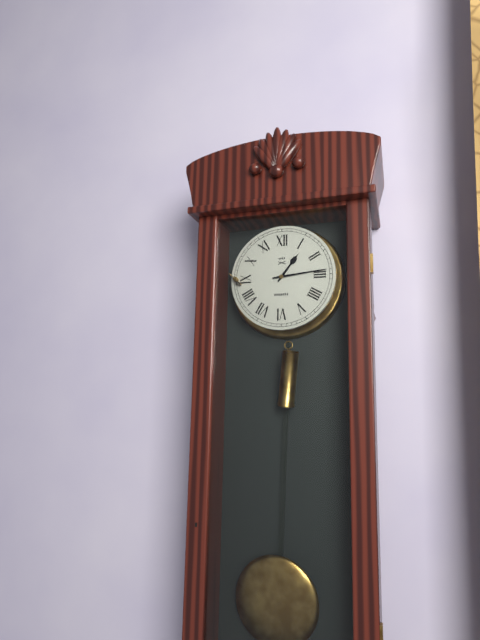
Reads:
h=1 m=14
